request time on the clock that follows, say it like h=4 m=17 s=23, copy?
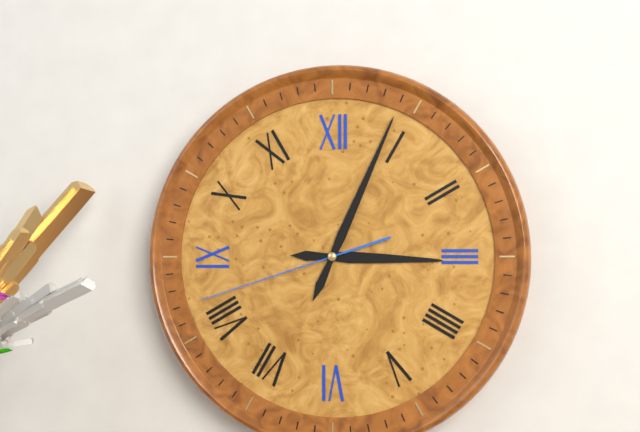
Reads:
h=3 m=4 s=42
